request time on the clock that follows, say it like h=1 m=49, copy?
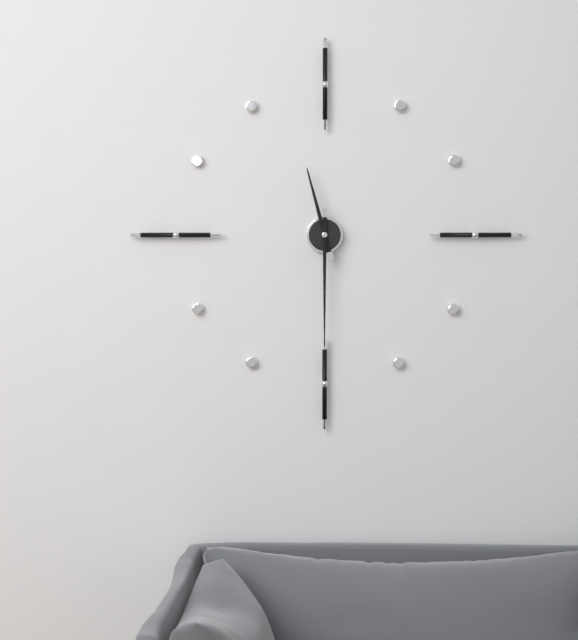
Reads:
h=11 m=30
